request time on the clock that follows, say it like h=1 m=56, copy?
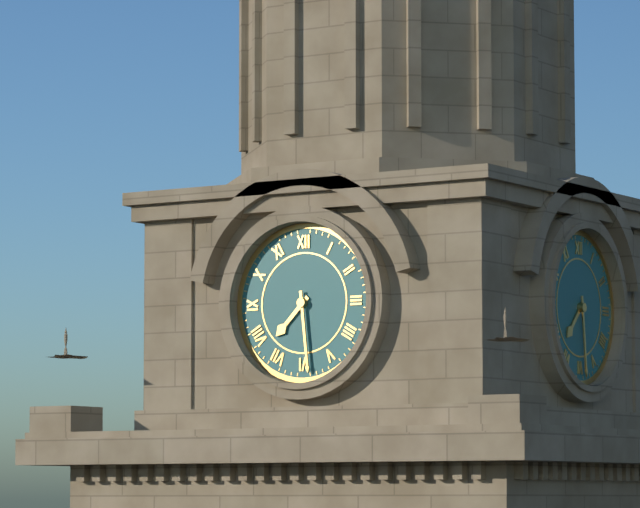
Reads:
h=7 m=29
